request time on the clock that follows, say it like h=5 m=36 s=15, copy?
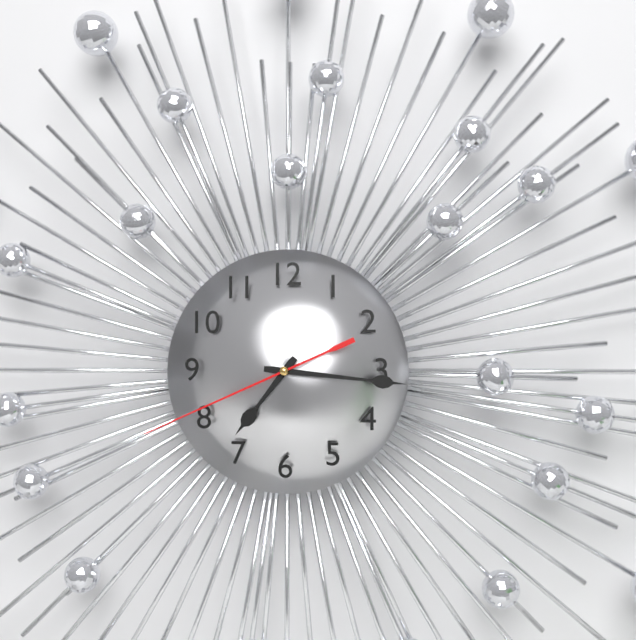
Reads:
h=7 m=16 s=41
